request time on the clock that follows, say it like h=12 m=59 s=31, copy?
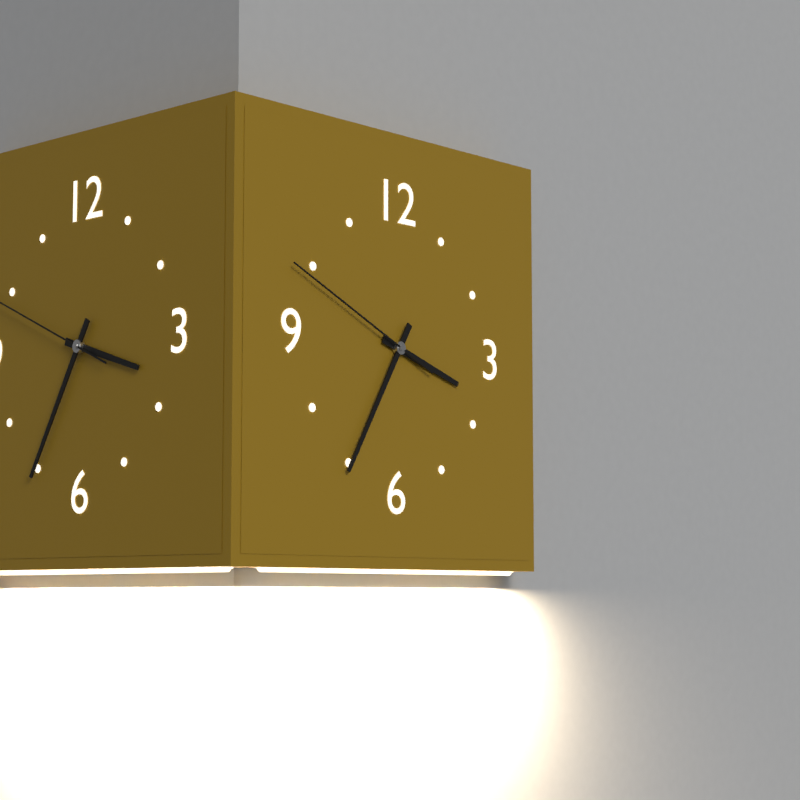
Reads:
h=3 m=35 s=49
